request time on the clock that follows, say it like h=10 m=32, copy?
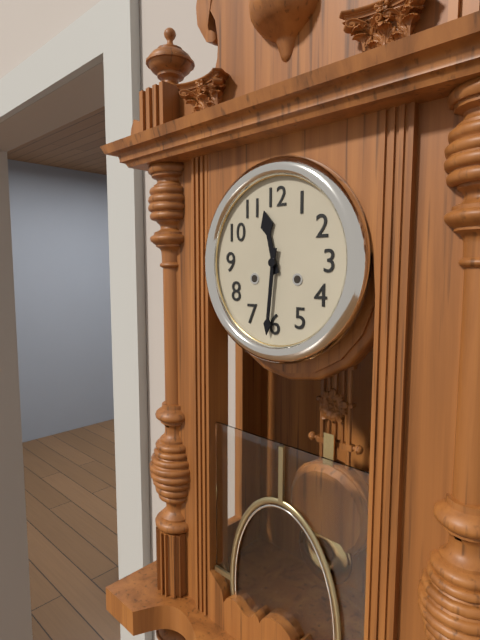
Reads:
h=11 m=31
